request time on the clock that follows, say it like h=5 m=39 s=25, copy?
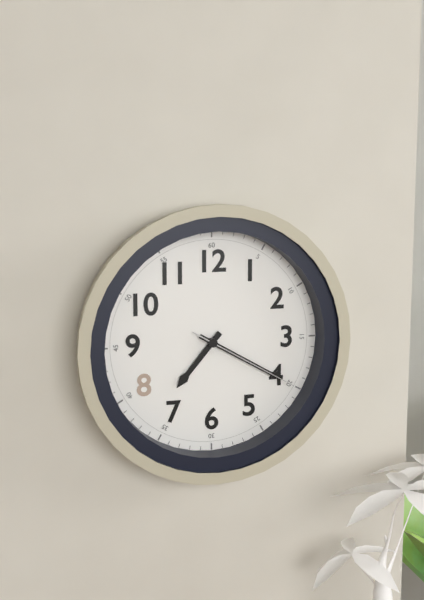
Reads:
h=7 m=20 s=20
